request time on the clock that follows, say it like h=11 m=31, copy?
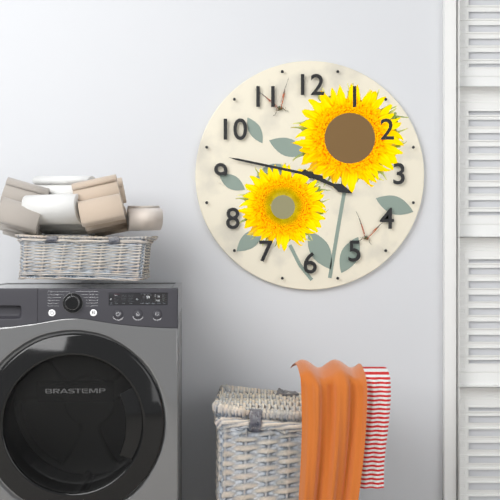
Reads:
h=3 m=47
